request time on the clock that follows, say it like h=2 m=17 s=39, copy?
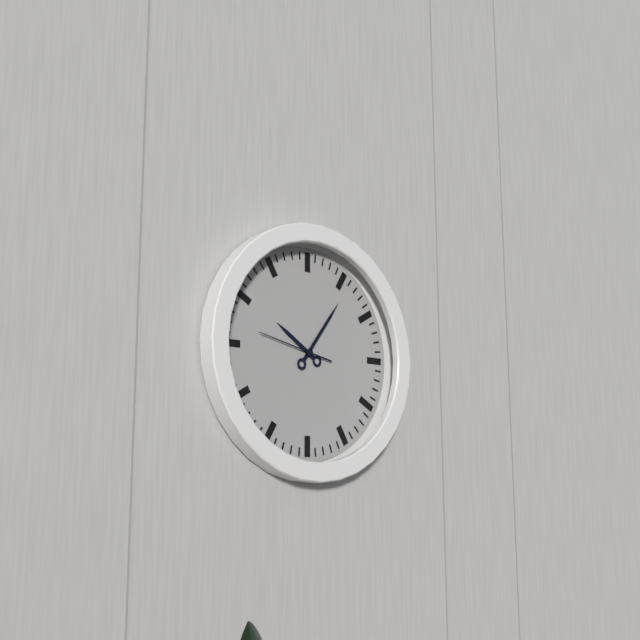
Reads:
h=10 m=6 s=47
